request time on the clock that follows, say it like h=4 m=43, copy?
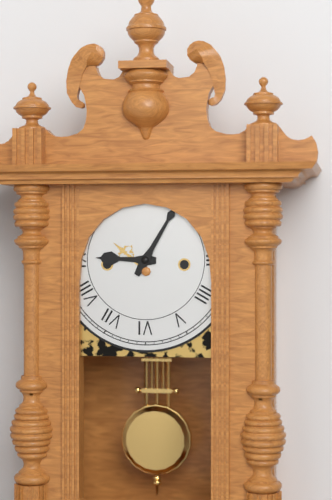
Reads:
h=9 m=5
